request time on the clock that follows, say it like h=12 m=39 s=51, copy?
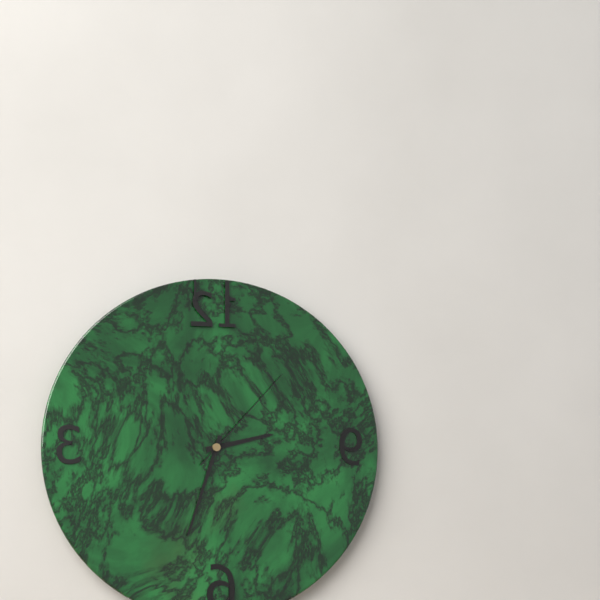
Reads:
h=2 m=33 s=7
